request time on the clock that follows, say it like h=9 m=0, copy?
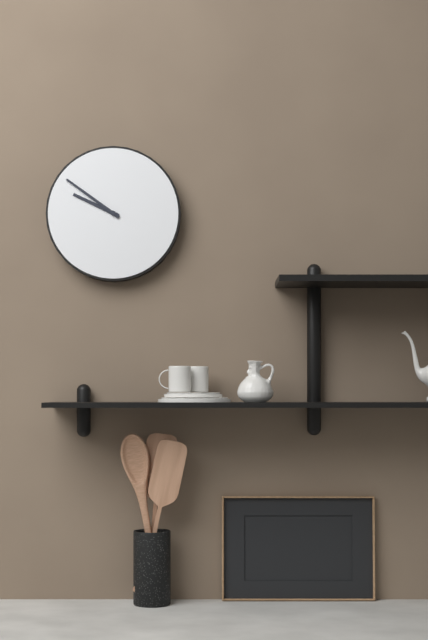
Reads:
h=9 m=51
